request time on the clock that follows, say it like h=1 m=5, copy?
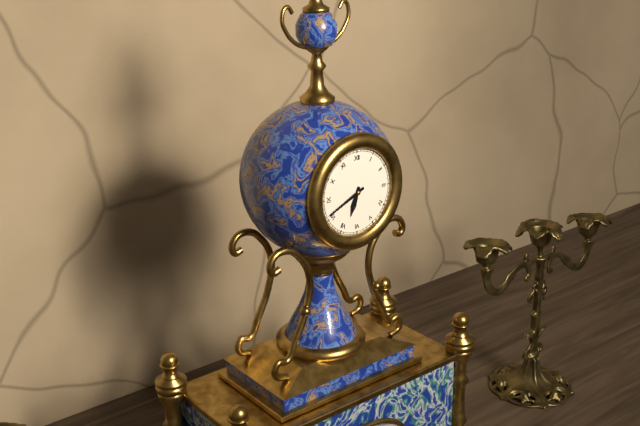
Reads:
h=6 m=41
